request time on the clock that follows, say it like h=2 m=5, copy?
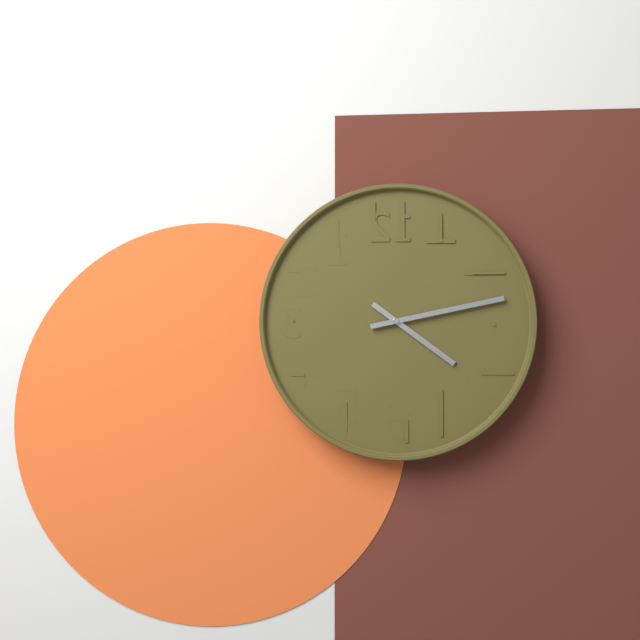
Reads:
h=4 m=13
